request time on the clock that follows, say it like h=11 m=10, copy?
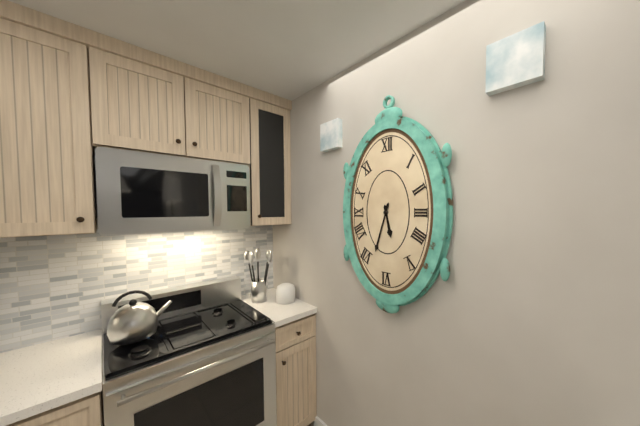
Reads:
h=5 m=33
